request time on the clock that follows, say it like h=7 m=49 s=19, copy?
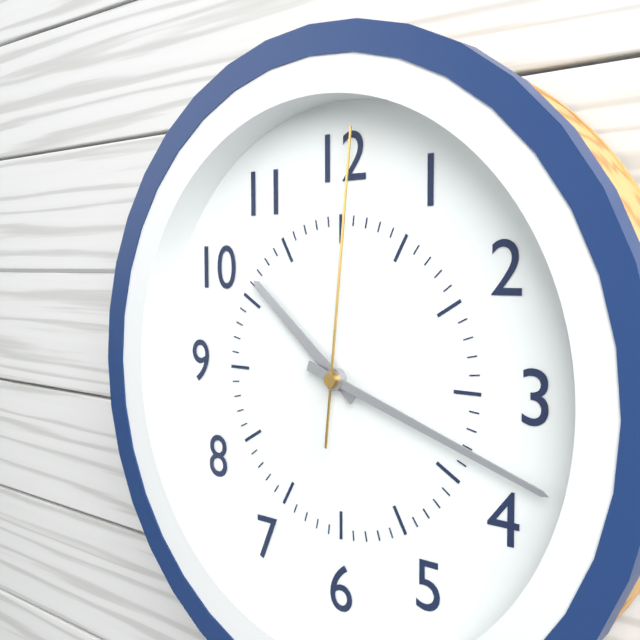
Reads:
h=10 m=18 s=1
